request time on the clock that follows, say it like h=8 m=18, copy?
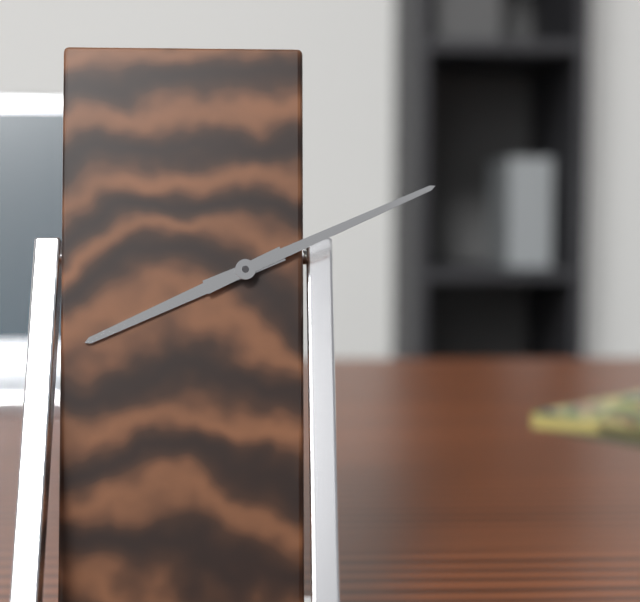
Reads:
h=8 m=11
